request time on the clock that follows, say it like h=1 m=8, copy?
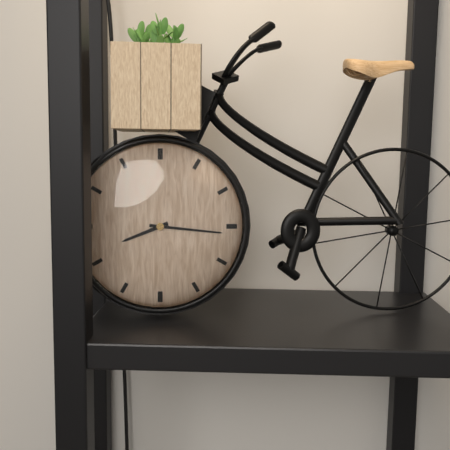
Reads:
h=8 m=16
